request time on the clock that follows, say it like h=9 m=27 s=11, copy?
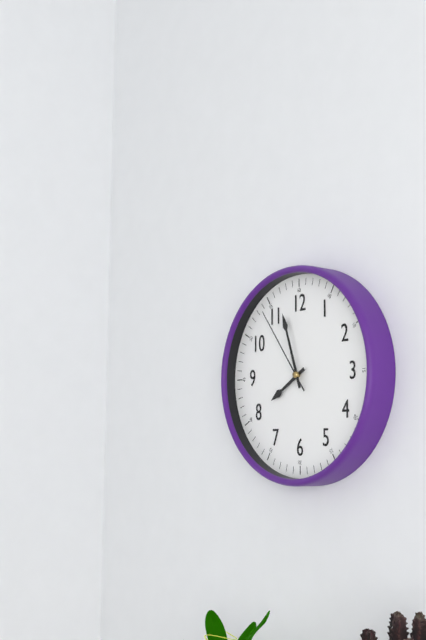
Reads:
h=7 m=57 s=54
